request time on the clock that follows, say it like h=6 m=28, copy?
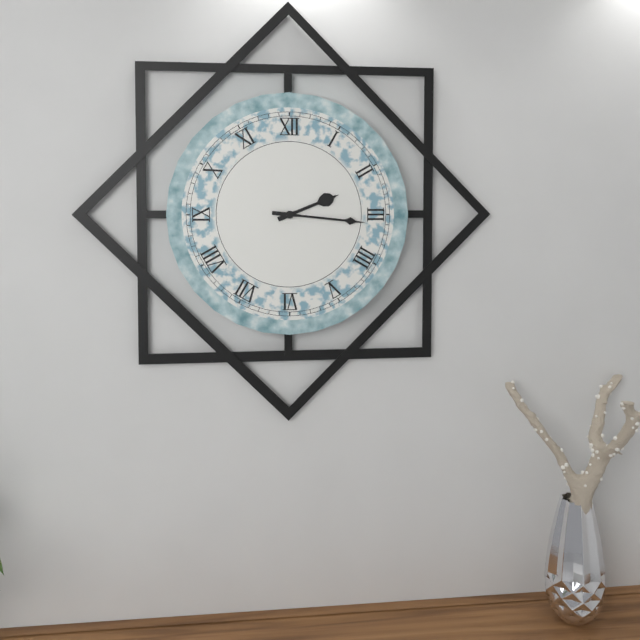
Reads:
h=2 m=16
